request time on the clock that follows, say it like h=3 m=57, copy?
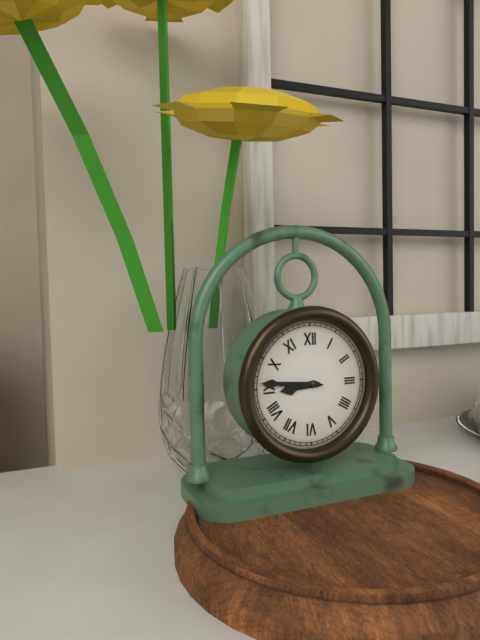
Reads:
h=8 m=46
